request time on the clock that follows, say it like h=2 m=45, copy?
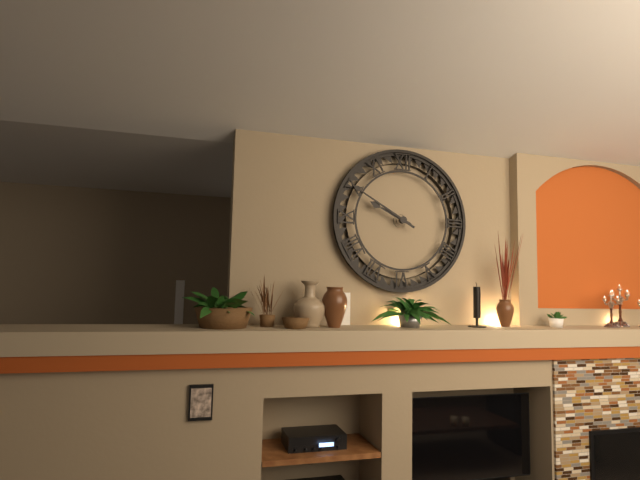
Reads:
h=9 m=50
